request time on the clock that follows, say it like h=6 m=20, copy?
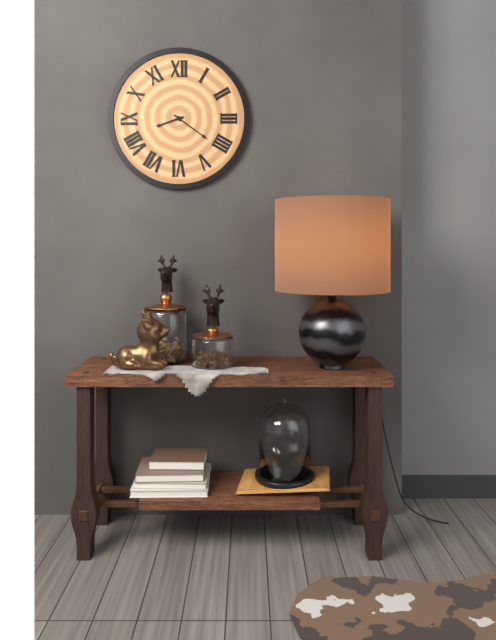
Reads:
h=8 m=21
